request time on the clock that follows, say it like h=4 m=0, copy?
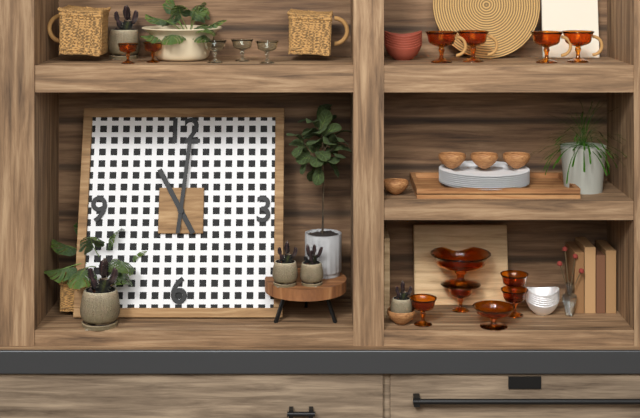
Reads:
h=11 m=1
